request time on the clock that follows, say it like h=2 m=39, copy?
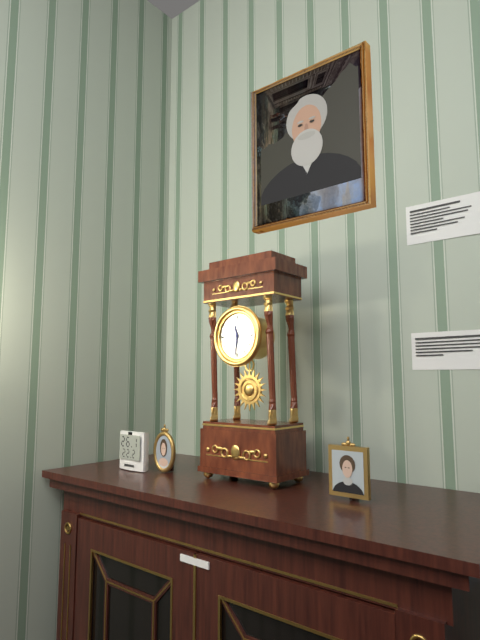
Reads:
h=11 m=31
